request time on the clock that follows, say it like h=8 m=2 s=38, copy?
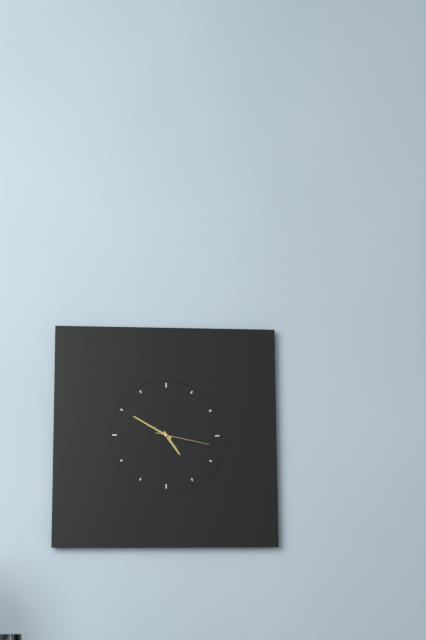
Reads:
h=4 m=50 s=17
